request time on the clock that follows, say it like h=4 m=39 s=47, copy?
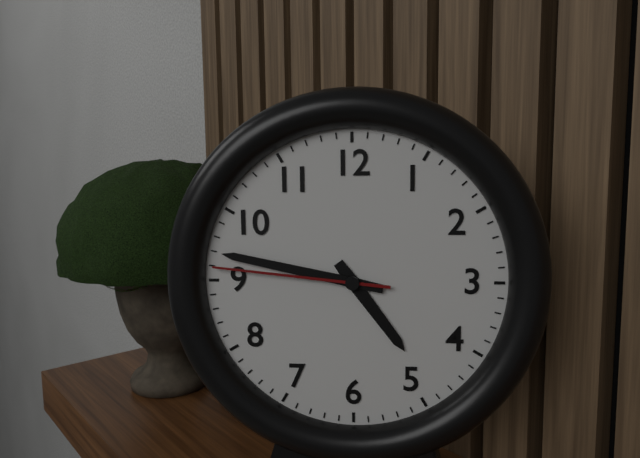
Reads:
h=4 m=47 s=46
